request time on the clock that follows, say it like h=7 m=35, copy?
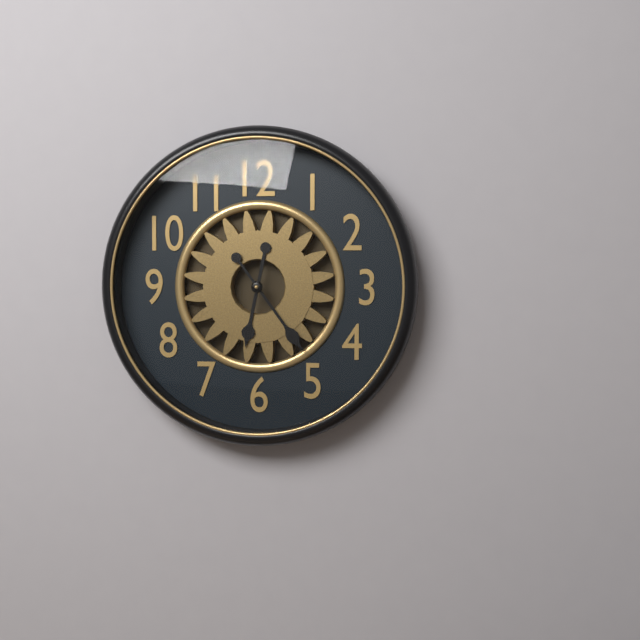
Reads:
h=6 m=24
